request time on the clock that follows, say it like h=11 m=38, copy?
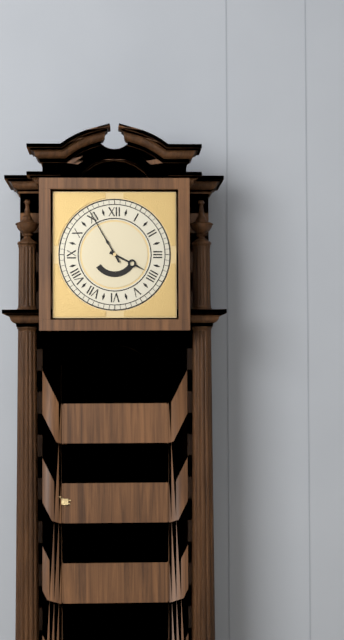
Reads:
h=3 m=55
